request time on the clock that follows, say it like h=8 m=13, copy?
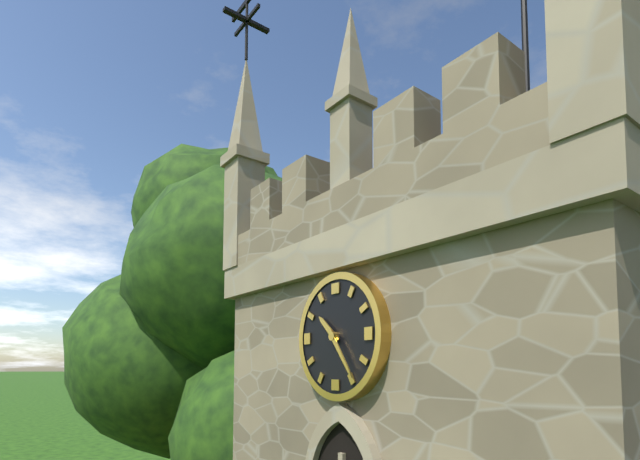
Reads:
h=10 m=24
